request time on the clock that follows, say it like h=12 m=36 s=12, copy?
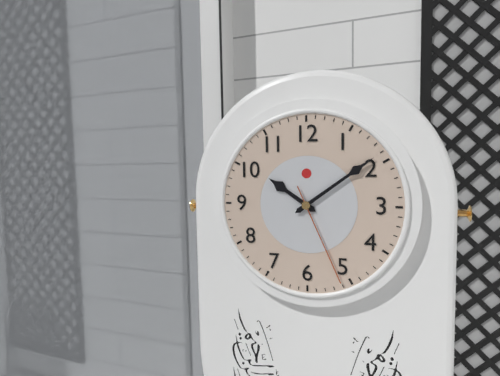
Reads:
h=10 m=9 s=26
